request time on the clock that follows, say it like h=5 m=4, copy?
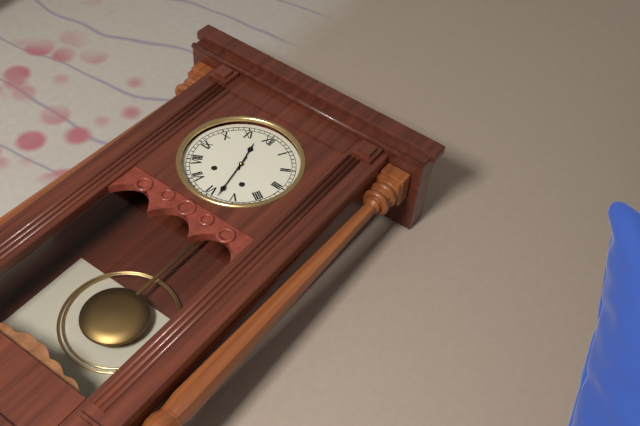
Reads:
h=11 m=28
